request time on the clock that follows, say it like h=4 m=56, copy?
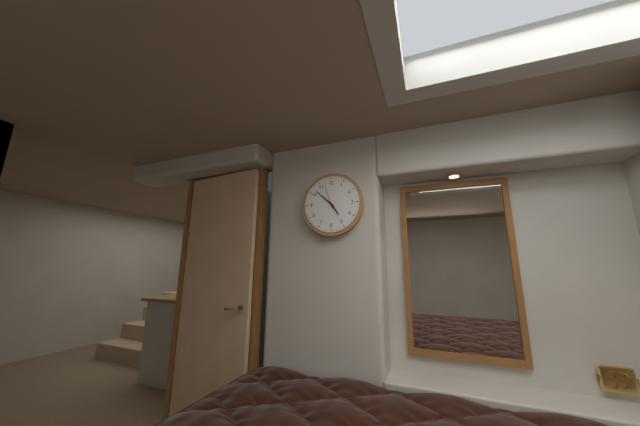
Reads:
h=4 m=52
